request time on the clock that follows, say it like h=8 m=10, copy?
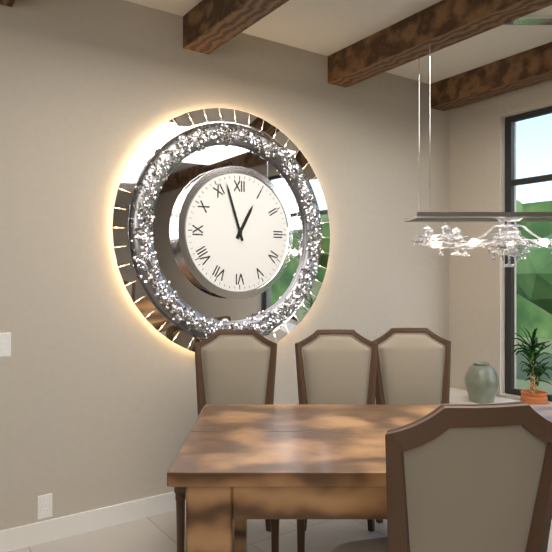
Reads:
h=12 m=57
